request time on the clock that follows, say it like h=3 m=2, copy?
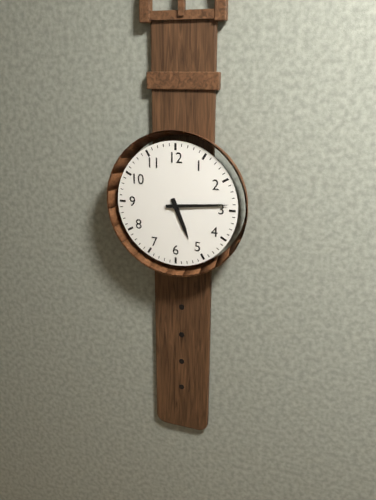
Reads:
h=5 m=14
